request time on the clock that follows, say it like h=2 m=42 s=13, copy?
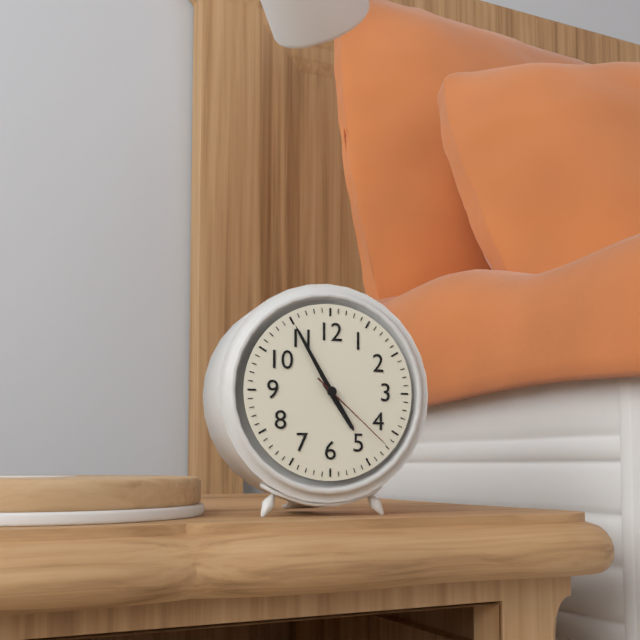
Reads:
h=4 m=55 s=22
